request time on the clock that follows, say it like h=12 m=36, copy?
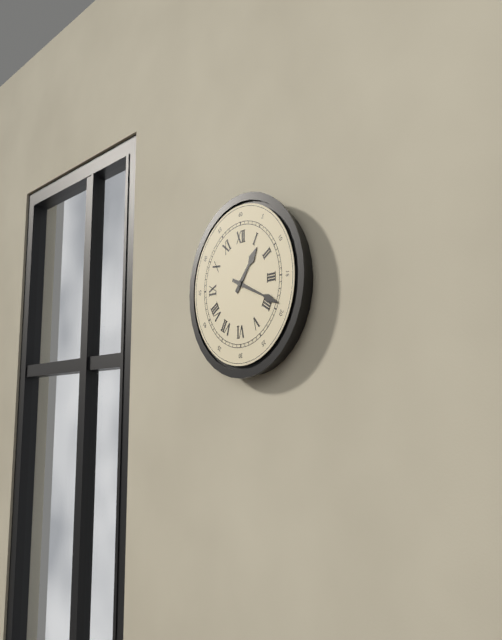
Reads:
h=1 m=19
